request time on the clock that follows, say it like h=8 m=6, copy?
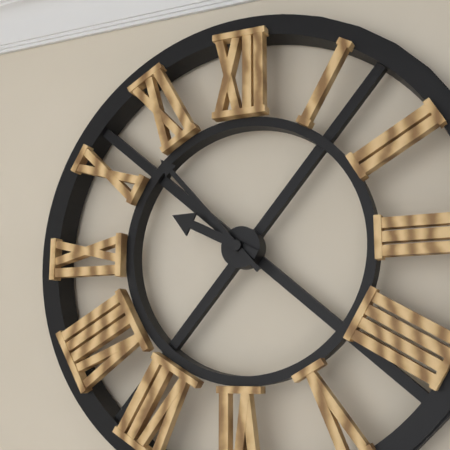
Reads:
h=9 m=53
